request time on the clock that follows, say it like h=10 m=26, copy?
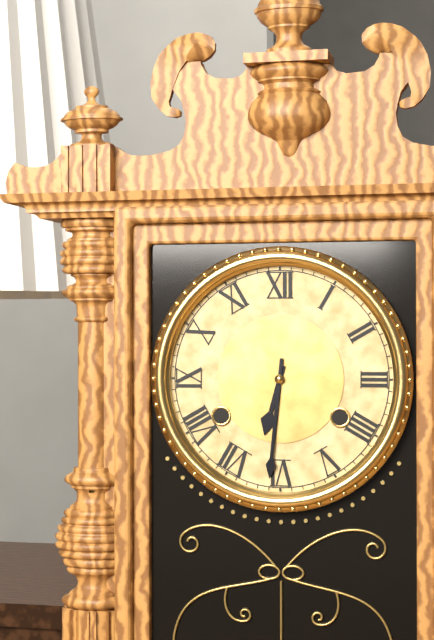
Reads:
h=6 m=31
